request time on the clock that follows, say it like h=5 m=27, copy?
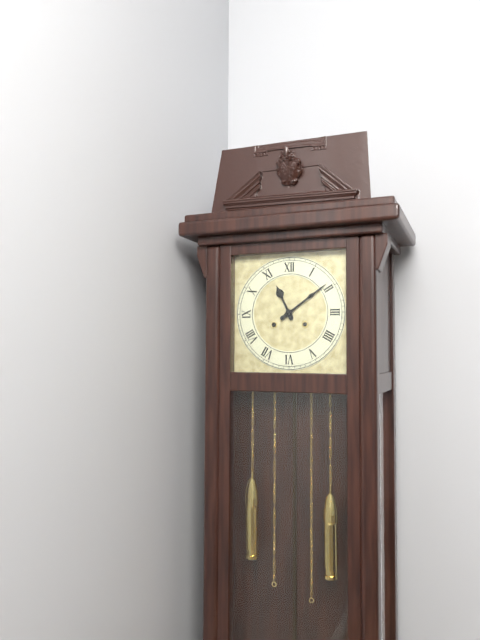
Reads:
h=11 m=9
